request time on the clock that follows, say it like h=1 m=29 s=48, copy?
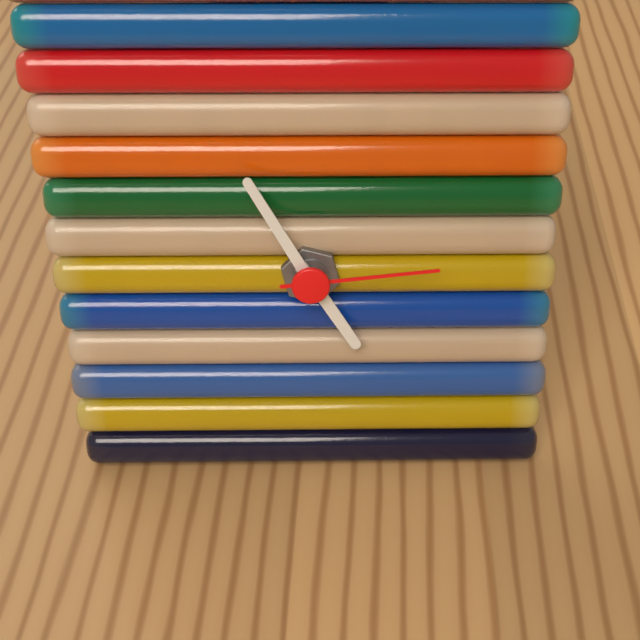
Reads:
h=4 m=55 s=14
